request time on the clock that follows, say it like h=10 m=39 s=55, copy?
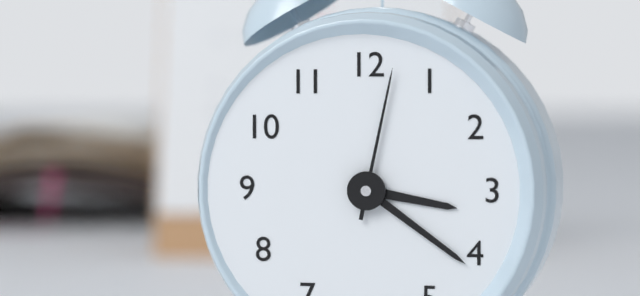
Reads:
h=3 m=21 s=2
